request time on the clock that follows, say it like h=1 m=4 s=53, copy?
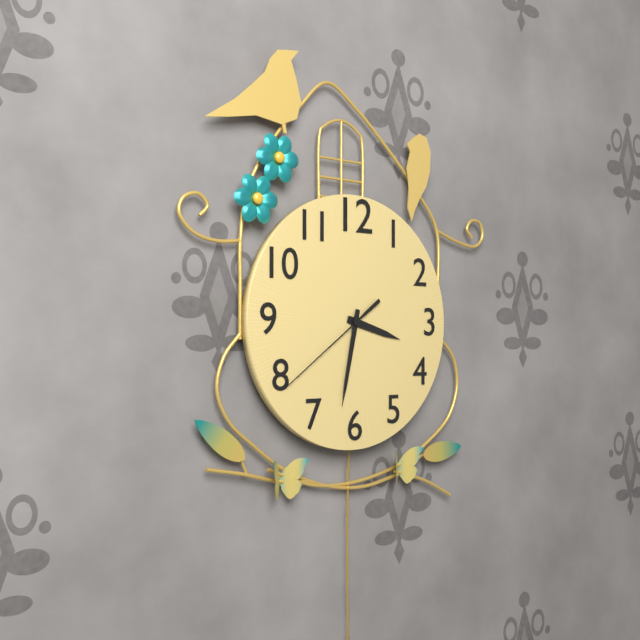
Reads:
h=3 m=32 s=39
